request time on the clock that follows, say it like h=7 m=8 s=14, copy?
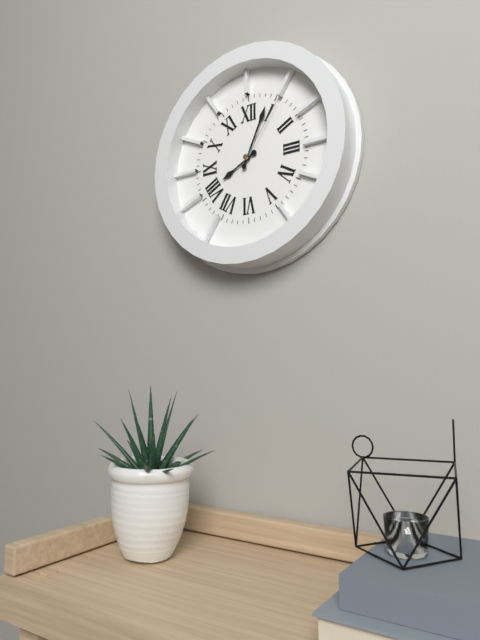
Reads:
h=8 m=4 s=6
